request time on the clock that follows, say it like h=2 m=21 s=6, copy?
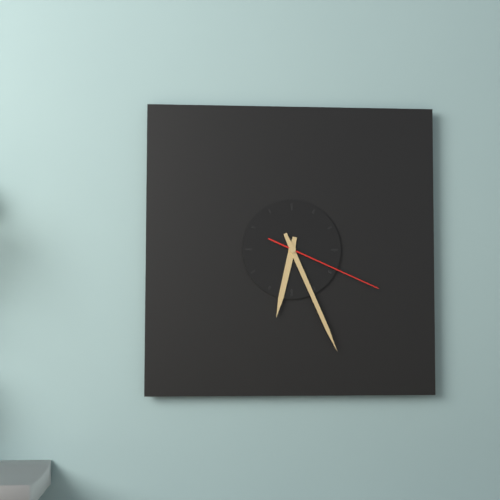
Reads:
h=6 m=26 s=19
